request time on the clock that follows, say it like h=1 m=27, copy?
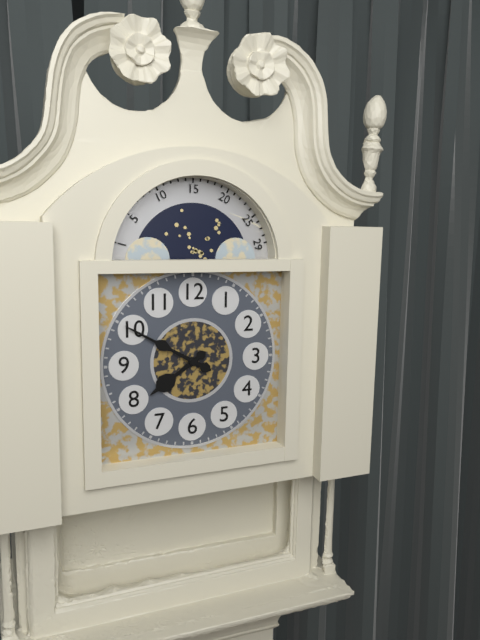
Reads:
h=7 m=50
